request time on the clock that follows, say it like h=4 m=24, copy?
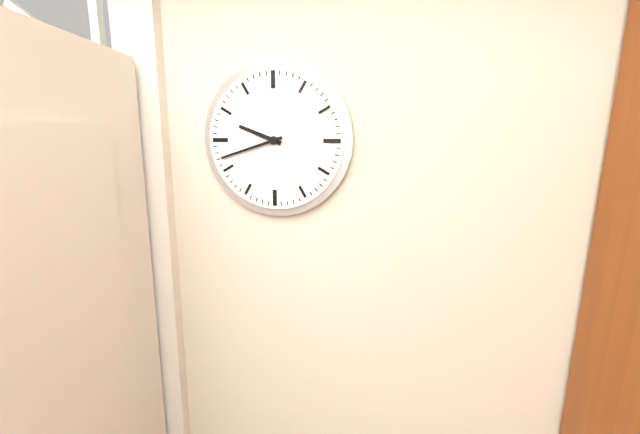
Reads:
h=9 m=42
